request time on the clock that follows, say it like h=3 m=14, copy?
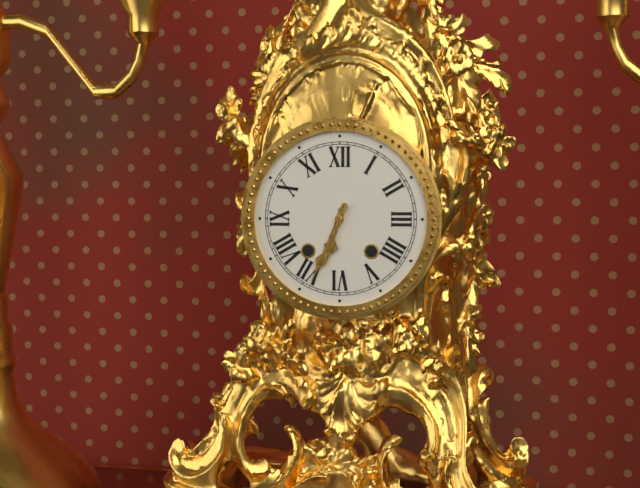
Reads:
h=6 m=34
